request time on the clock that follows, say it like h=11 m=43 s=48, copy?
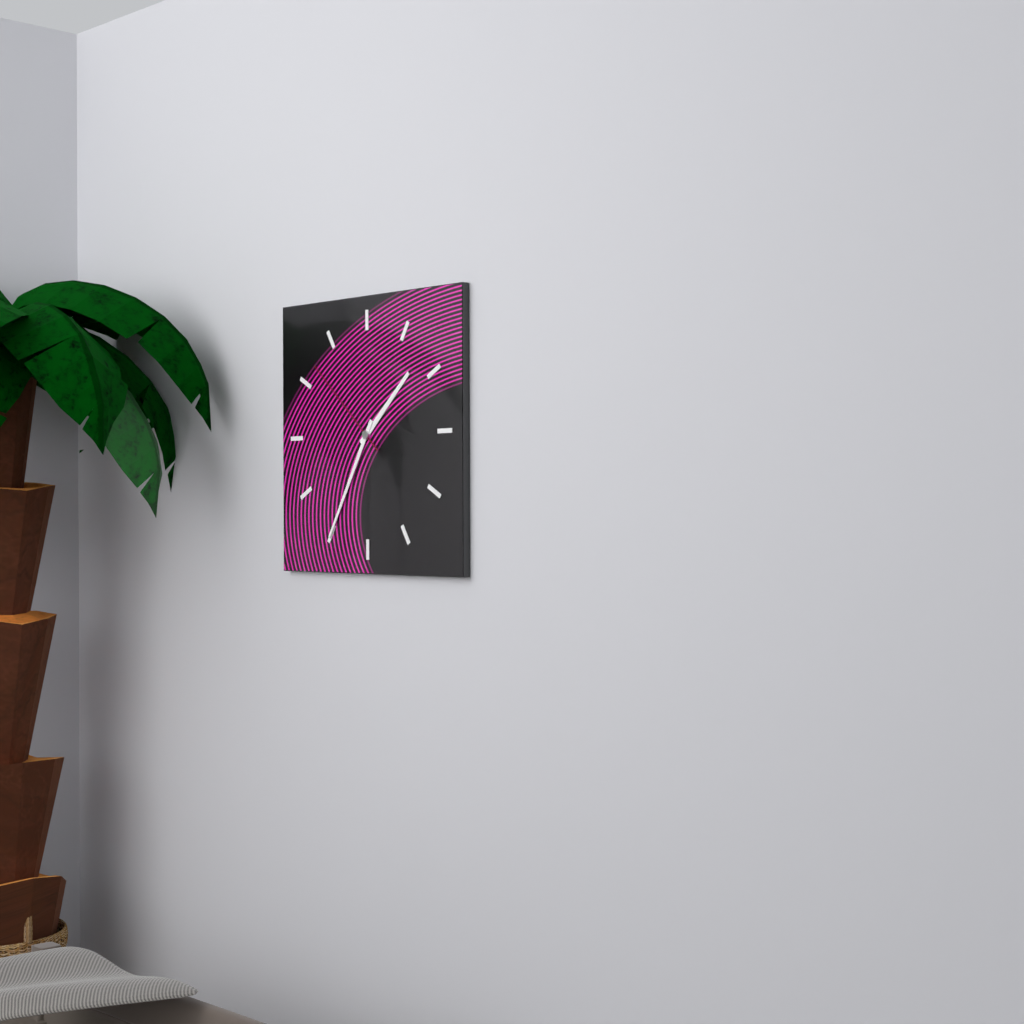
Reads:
h=1 m=35 s=52
